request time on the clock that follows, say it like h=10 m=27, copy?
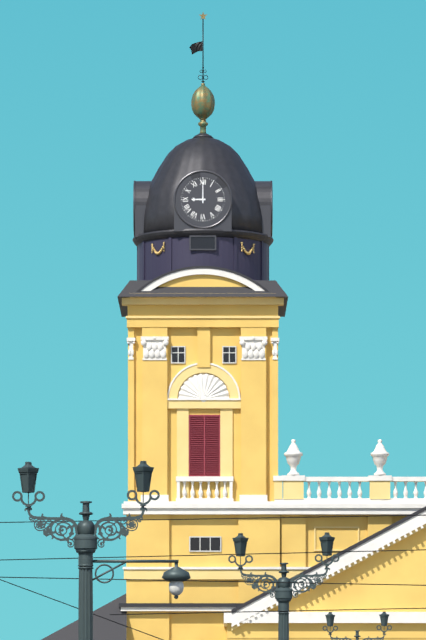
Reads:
h=9 m=0
